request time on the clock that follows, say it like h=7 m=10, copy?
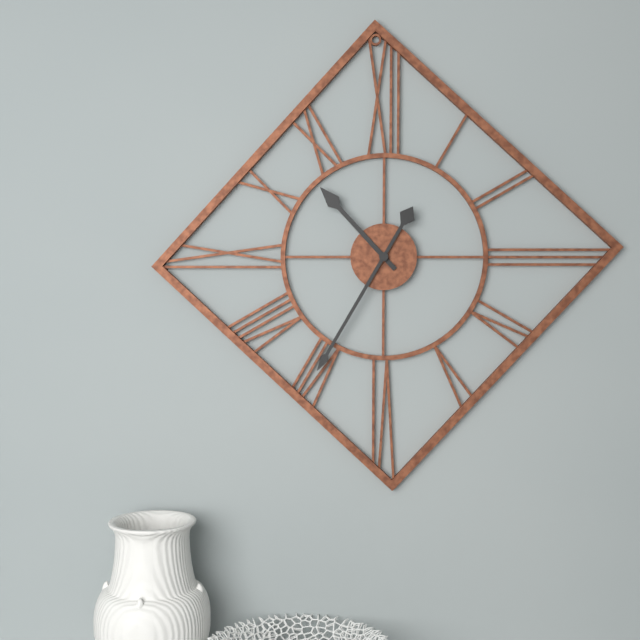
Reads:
h=10 m=35
